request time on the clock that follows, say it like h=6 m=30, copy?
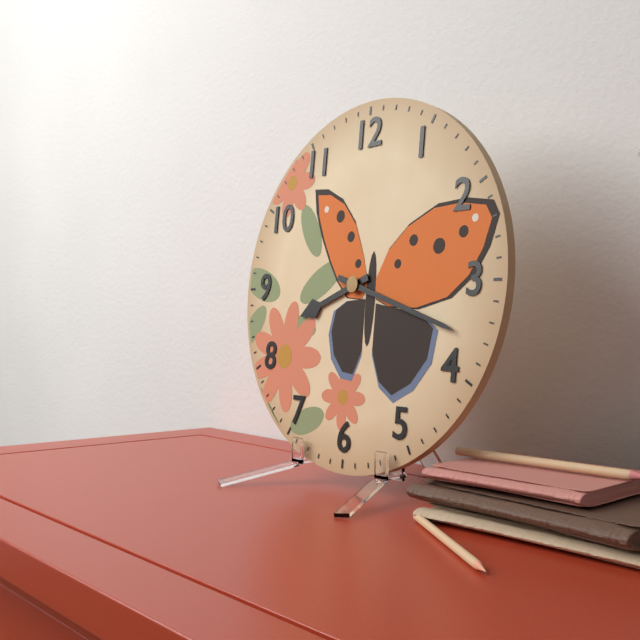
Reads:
h=8 m=18
